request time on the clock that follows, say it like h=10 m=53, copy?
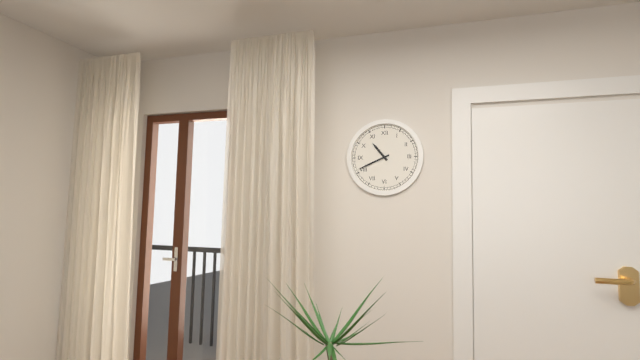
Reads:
h=10 m=41
